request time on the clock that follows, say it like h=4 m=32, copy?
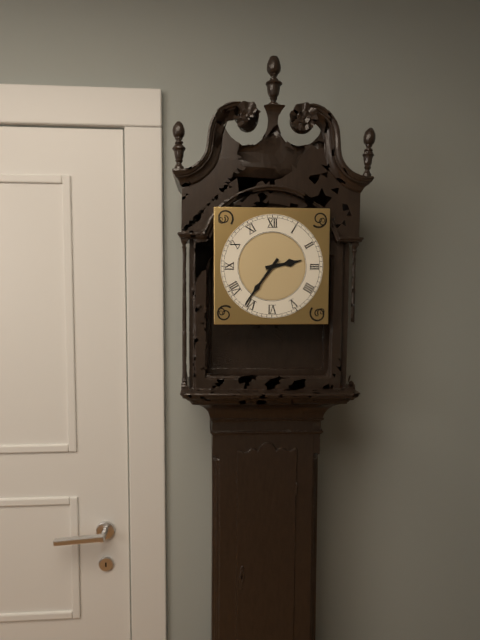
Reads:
h=2 m=36
